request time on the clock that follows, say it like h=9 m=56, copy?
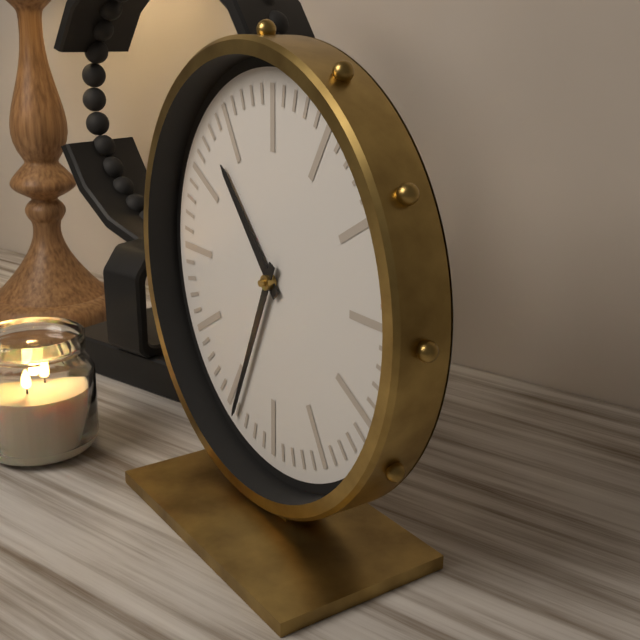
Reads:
h=10 m=34
